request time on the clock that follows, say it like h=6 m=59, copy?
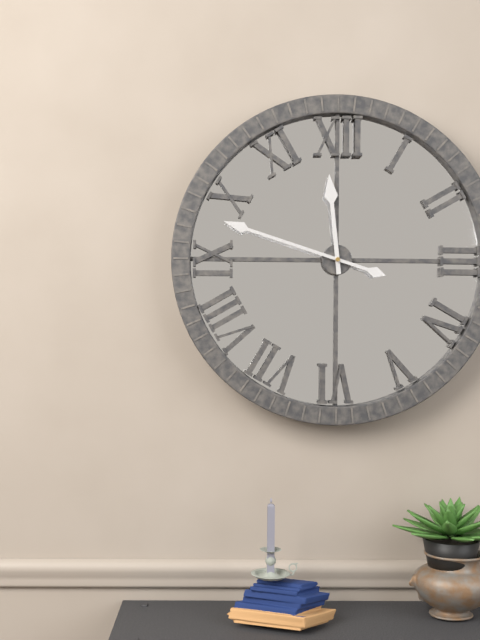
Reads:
h=11 m=48
